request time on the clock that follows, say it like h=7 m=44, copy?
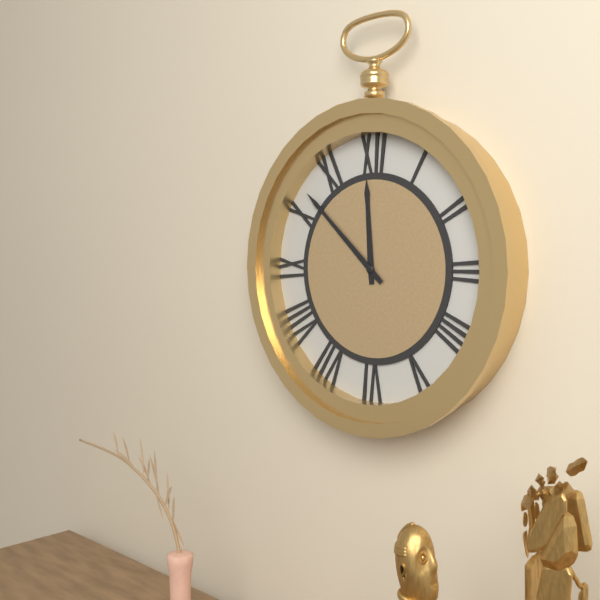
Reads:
h=11 m=52
